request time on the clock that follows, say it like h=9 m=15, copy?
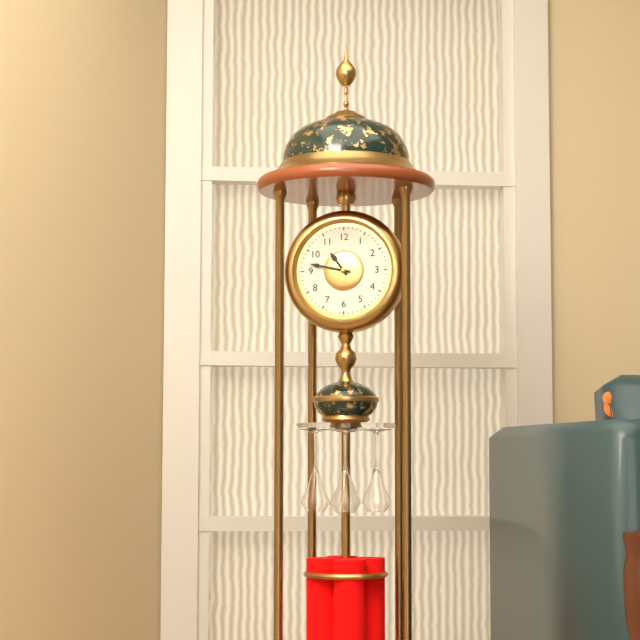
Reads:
h=10 m=47
